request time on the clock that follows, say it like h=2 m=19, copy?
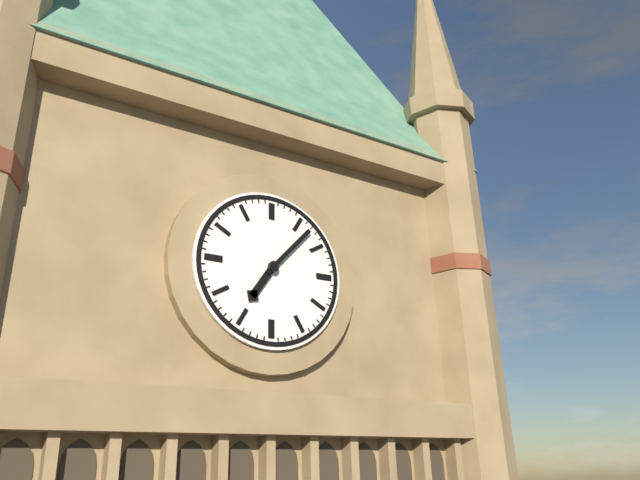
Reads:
h=7 m=7
